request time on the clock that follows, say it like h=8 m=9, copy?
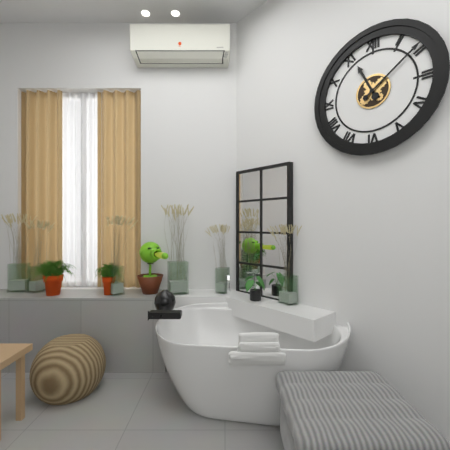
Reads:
h=11 m=9
